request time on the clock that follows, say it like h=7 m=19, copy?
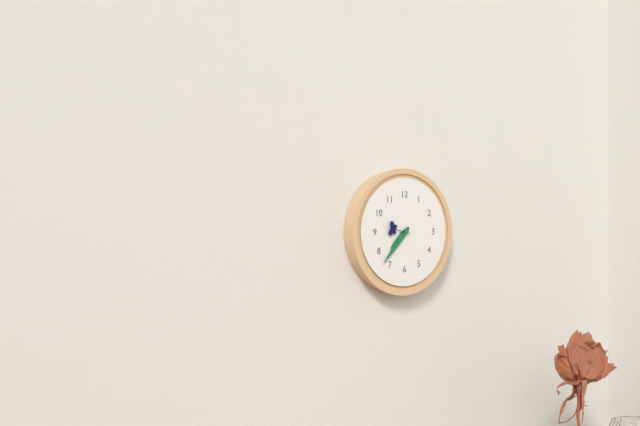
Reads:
h=7 m=37
